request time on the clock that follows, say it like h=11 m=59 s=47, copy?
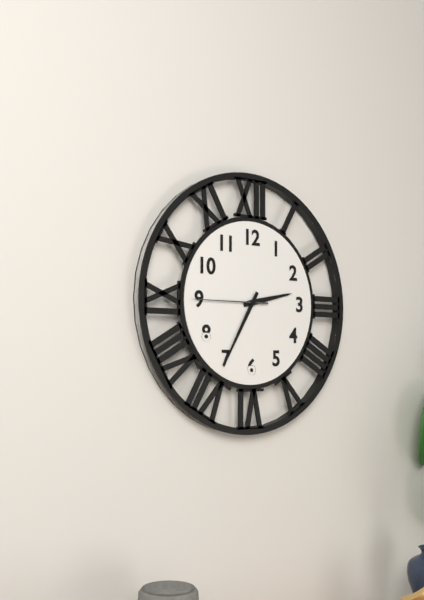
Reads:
h=2 m=35 s=45
